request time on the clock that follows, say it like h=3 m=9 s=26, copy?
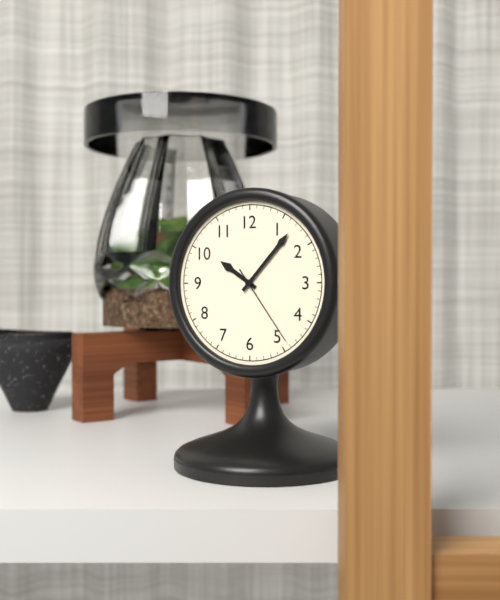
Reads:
h=10 m=7 s=24
